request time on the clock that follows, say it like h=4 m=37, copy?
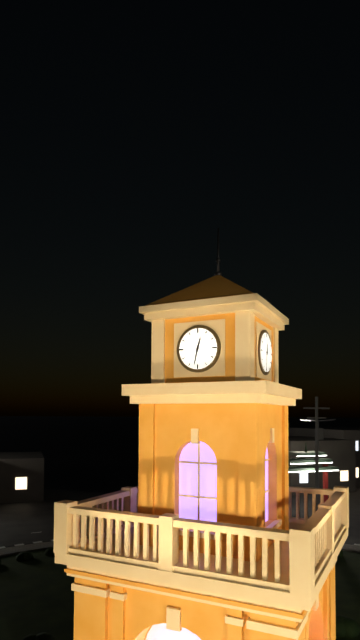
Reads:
h=12 m=32
